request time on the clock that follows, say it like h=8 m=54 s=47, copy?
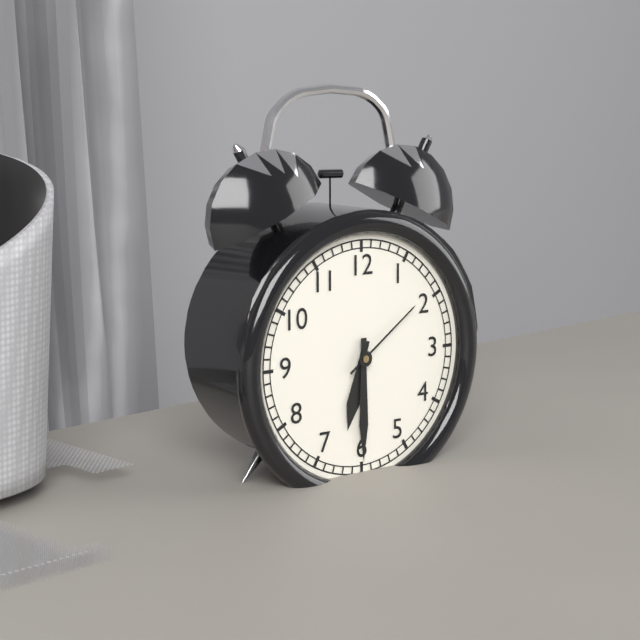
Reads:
h=6 m=30 s=9
